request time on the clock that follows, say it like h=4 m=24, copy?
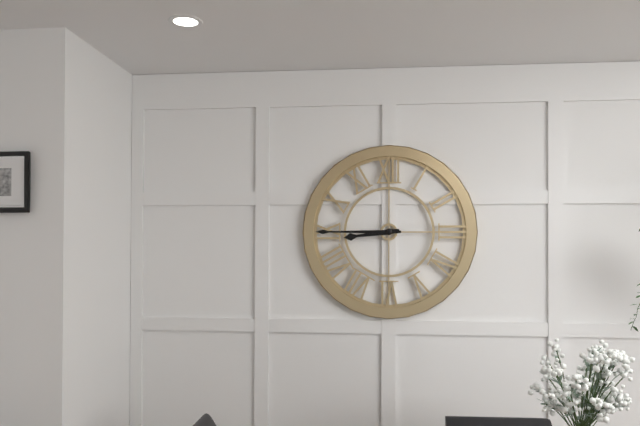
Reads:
h=8 m=45
